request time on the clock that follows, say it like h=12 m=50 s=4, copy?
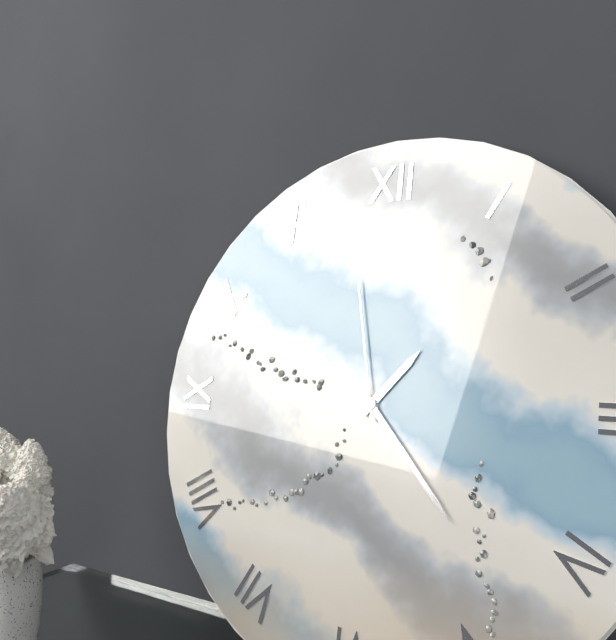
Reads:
h=1 m=23 s=58
